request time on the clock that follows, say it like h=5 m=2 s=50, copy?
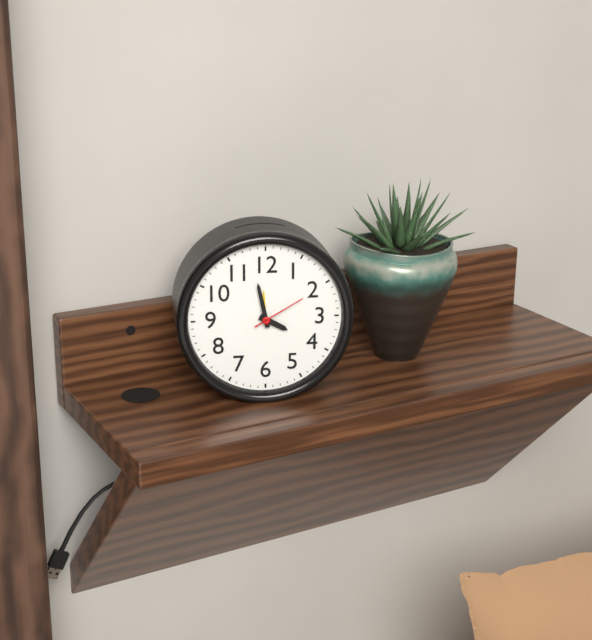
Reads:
h=3 m=58 s=10
